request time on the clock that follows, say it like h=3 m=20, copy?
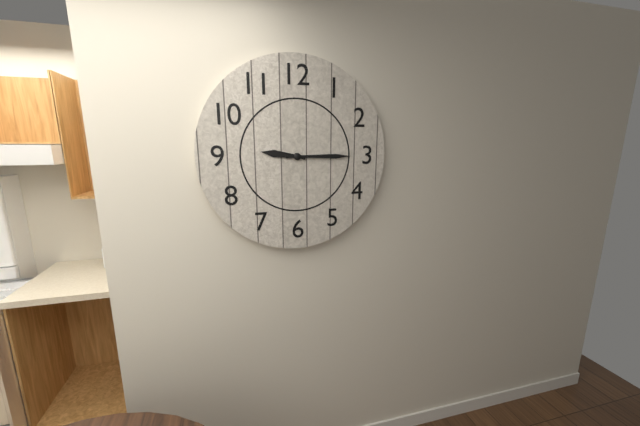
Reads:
h=9 m=15
